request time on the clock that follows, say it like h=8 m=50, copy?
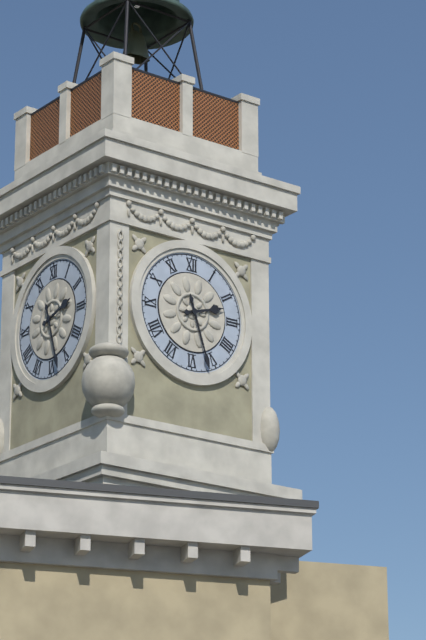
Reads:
h=2 m=27
